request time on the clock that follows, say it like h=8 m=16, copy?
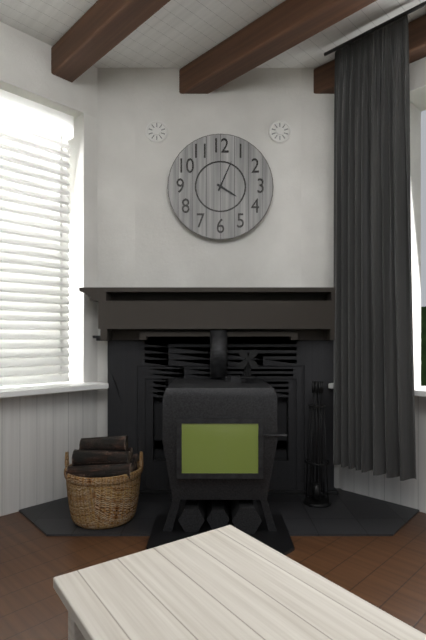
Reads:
h=4 m=4
